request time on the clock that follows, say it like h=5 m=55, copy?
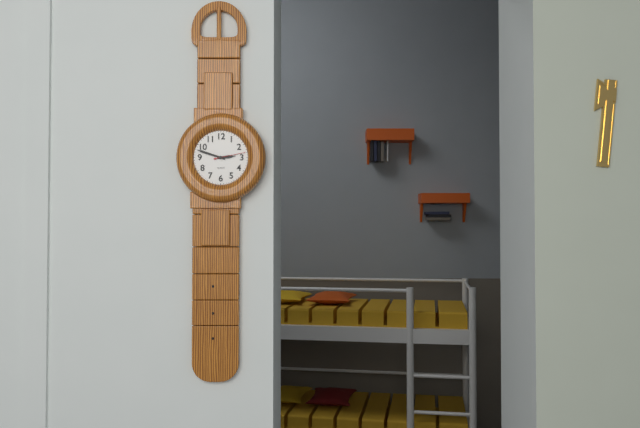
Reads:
h=2 m=48
